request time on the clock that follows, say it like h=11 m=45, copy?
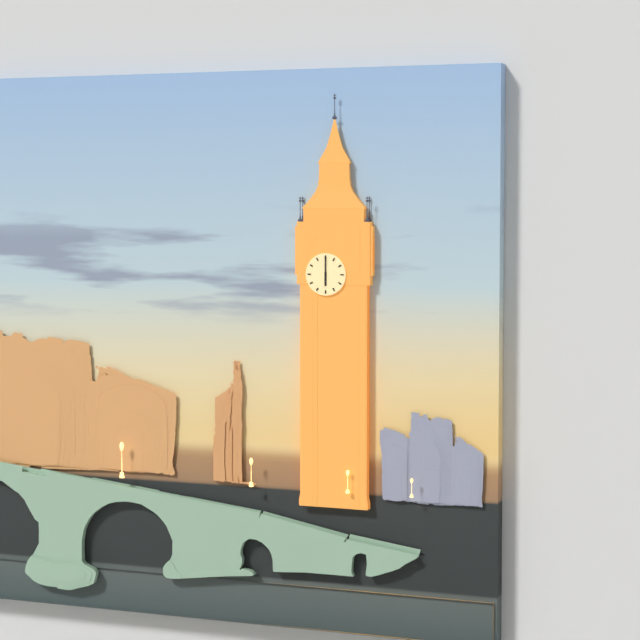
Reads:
h=6 m=0
